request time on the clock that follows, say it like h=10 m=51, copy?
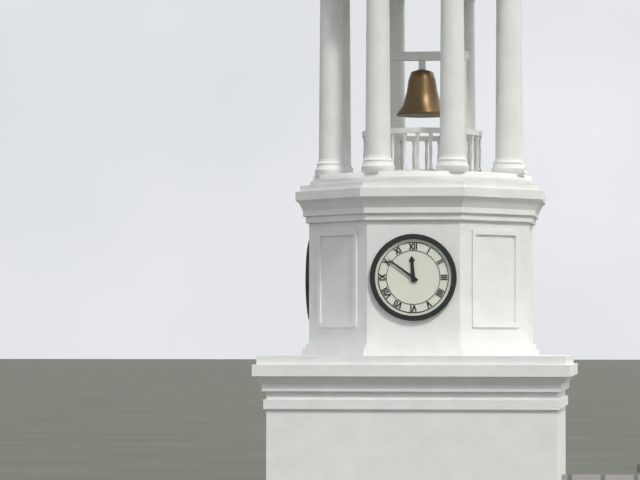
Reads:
h=11 m=51
